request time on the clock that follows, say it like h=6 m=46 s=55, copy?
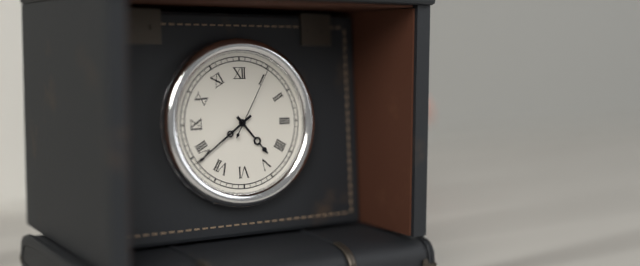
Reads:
h=4 m=39 s=5
